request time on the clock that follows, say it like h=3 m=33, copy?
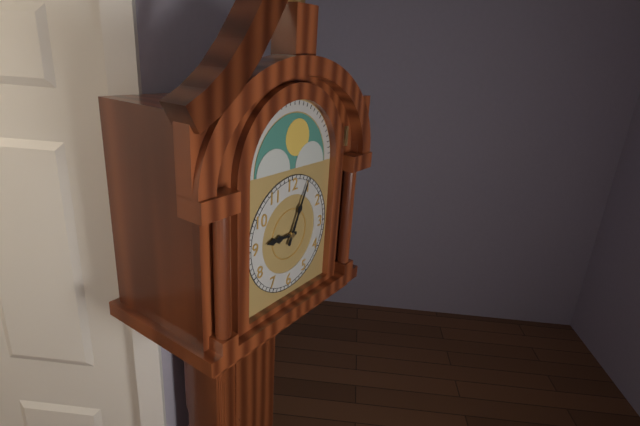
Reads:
h=9 m=4
